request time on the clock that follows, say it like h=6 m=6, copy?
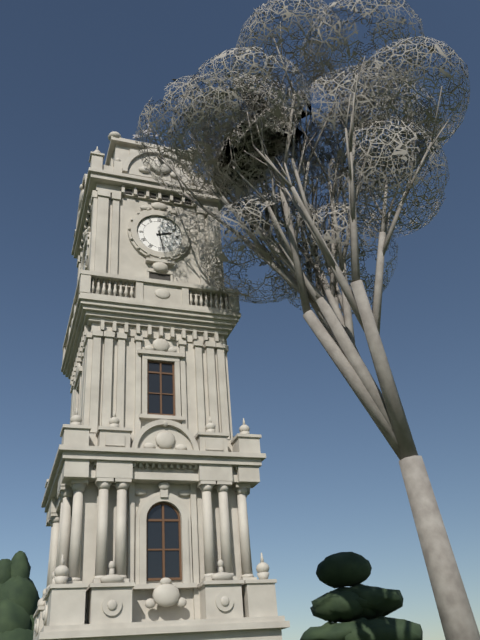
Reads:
h=2 m=28
